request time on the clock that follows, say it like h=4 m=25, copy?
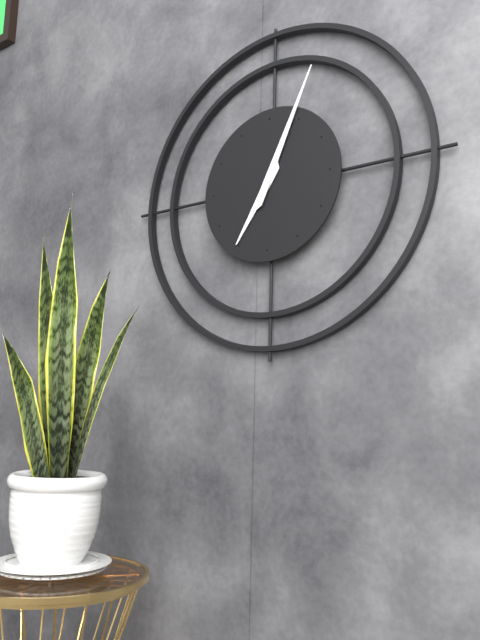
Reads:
h=7 m=4
